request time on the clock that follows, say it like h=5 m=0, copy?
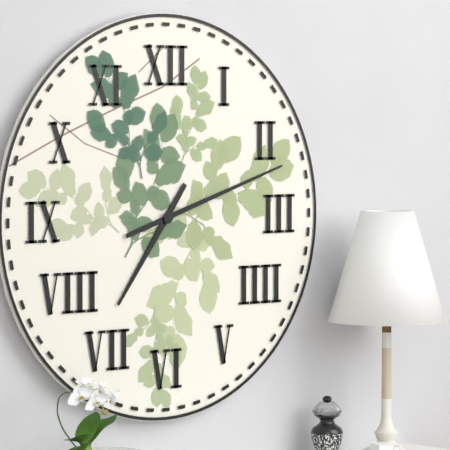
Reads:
h=7 m=12
